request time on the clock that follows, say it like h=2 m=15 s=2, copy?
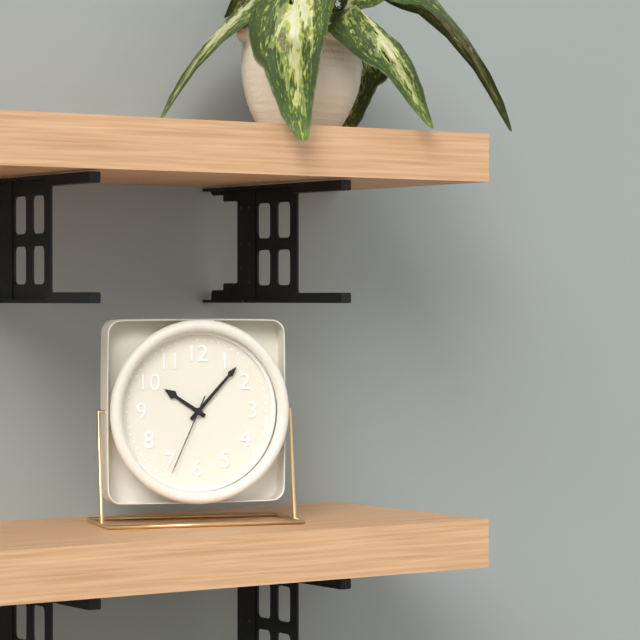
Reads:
h=10 m=7 s=34
